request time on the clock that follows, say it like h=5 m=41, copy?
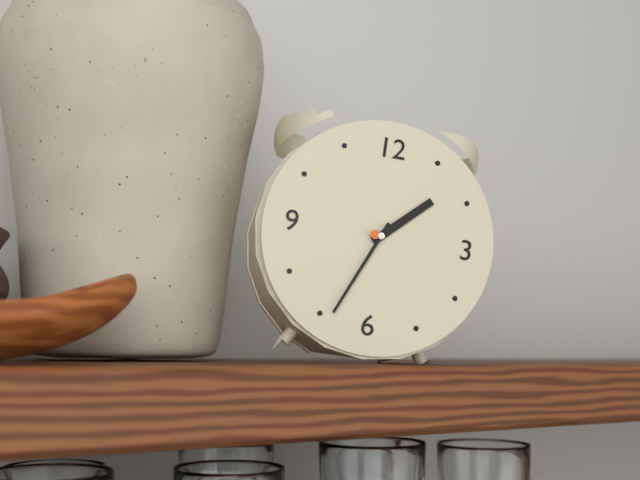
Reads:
h=1 m=34
